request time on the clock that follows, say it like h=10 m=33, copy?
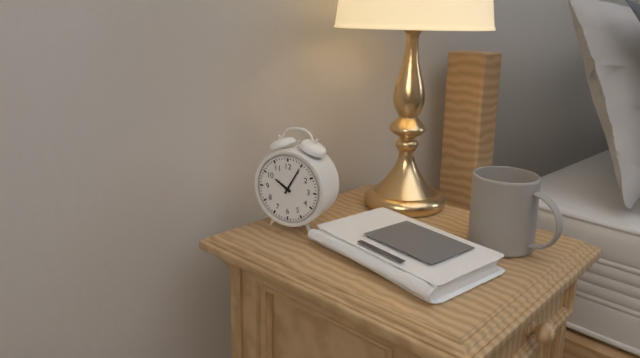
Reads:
h=10 m=5
